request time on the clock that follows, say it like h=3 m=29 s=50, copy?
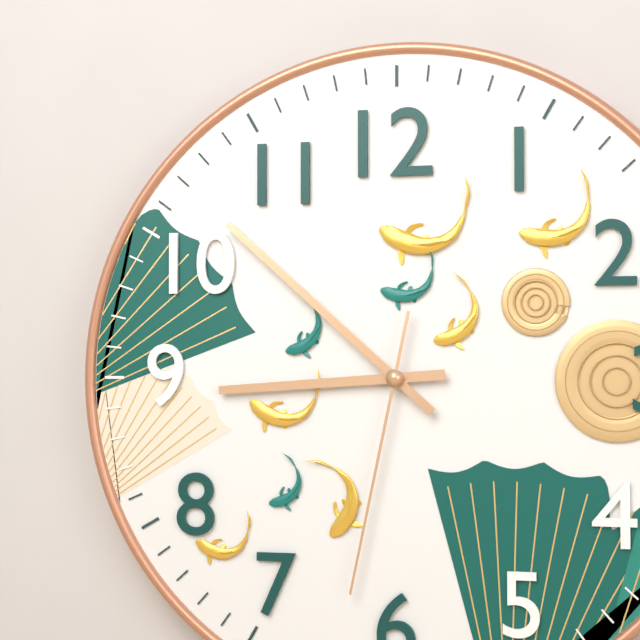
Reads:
h=8 m=52 s=32
